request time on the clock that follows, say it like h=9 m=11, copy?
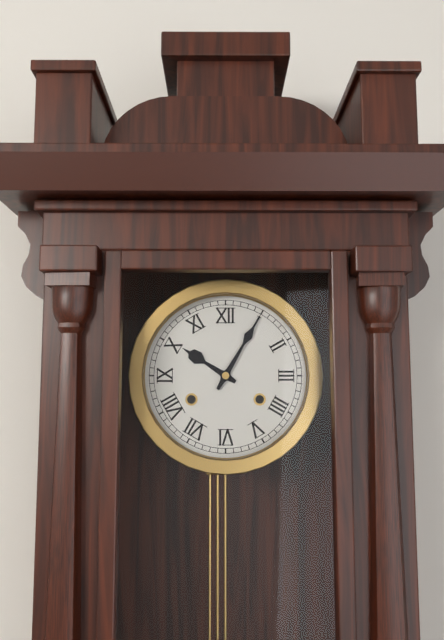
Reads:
h=10 m=5
